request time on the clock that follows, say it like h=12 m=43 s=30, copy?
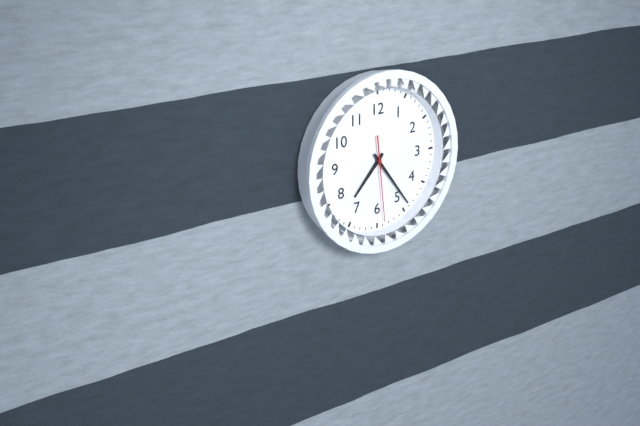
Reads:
h=7 m=24 s=29
